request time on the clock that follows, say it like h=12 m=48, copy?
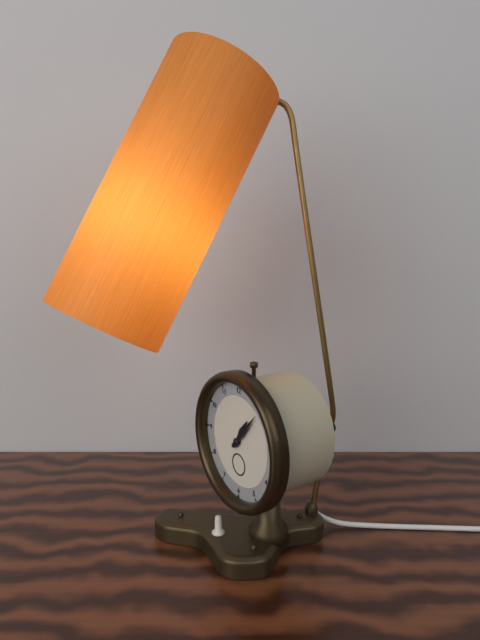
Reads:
h=1 m=7
